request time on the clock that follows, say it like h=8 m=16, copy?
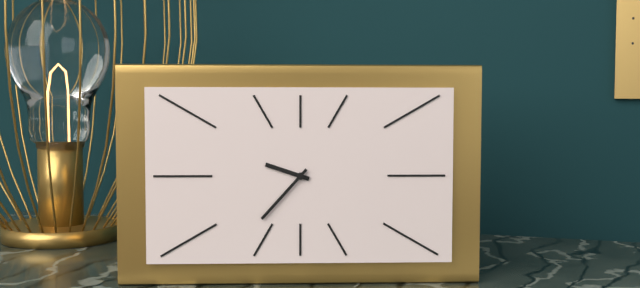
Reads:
h=9 m=37
